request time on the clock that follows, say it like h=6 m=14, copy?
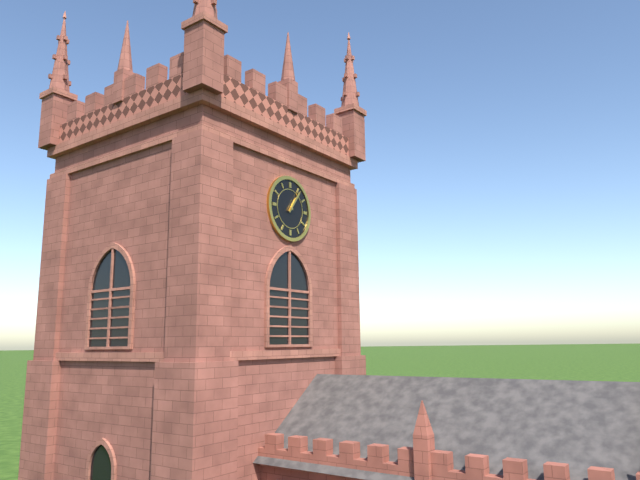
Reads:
h=1 m=6
